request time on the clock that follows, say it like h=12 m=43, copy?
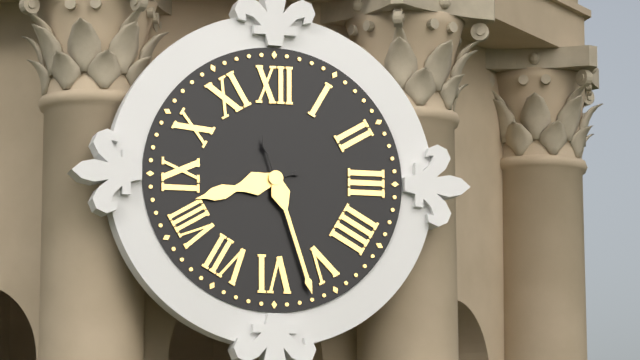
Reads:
h=8 m=27
